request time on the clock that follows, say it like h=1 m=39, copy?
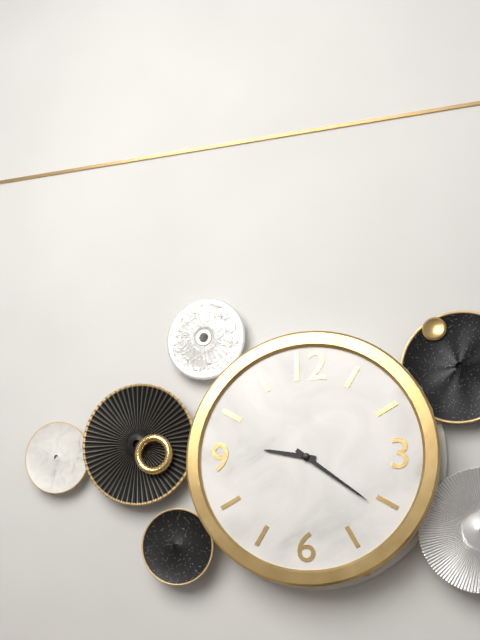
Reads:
h=9 m=21
